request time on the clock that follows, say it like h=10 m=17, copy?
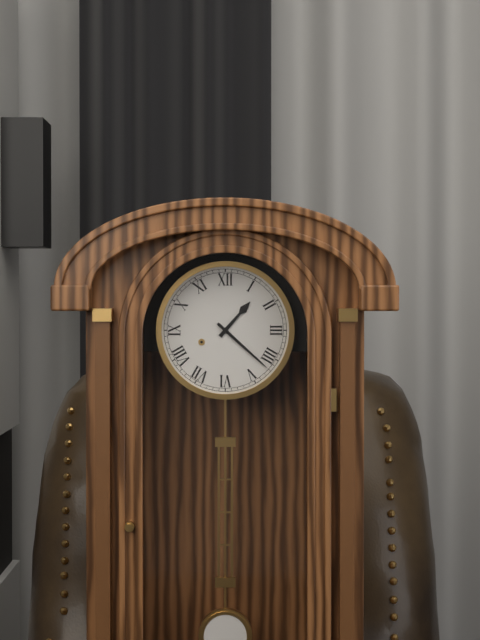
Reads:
h=1 m=22
